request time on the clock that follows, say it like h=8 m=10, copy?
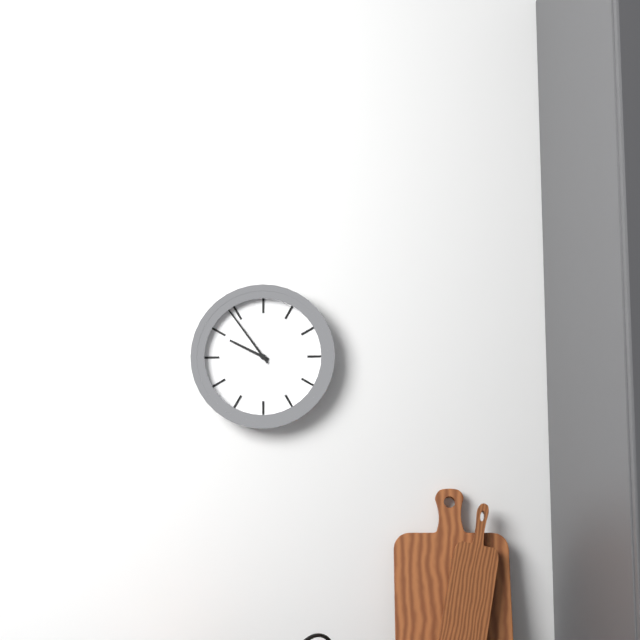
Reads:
h=9 m=54
